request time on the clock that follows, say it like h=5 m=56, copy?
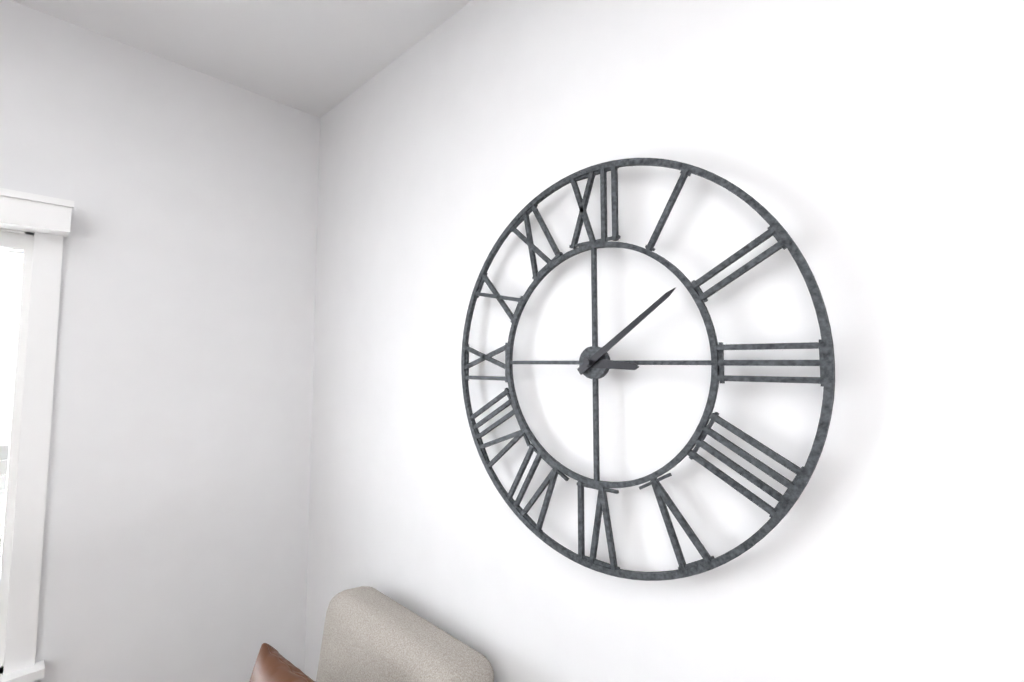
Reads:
h=3 m=9
